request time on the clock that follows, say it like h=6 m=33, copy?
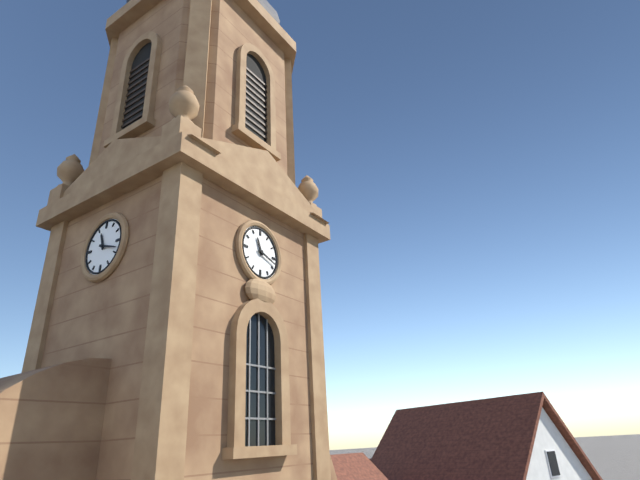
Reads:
h=11 m=18
